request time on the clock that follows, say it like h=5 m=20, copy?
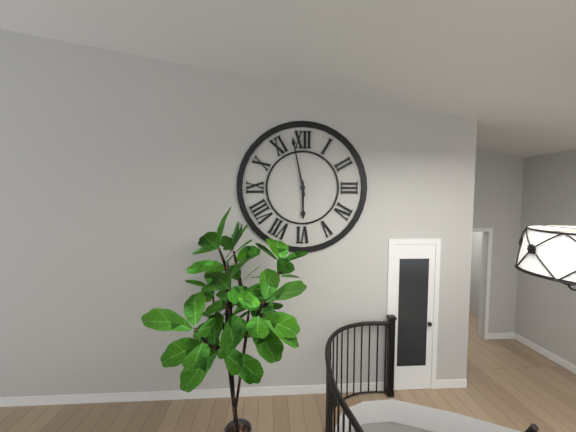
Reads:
h=5 m=58
